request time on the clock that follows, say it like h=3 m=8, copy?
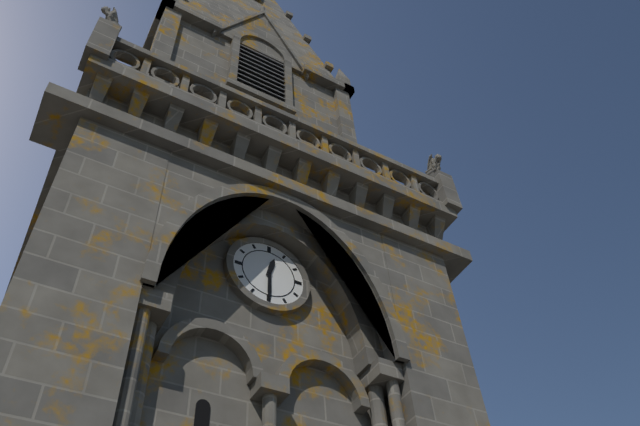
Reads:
h=12 m=30
